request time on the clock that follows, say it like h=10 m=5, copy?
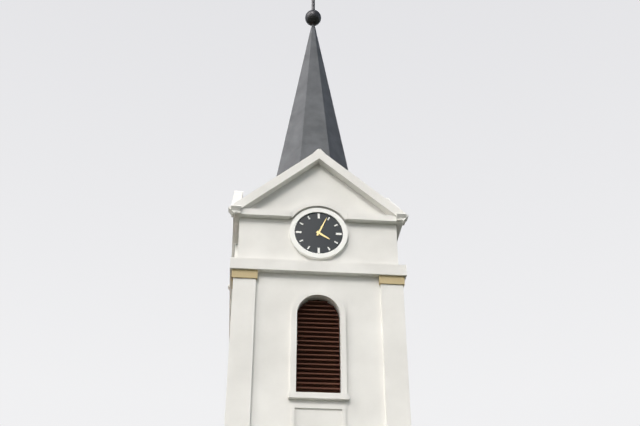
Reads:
h=4 m=4
